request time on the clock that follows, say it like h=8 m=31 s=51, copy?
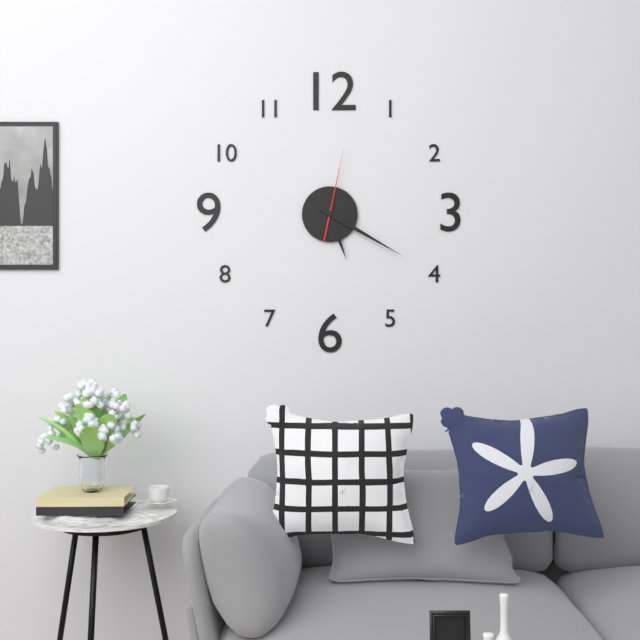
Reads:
h=5 m=20 s=2
